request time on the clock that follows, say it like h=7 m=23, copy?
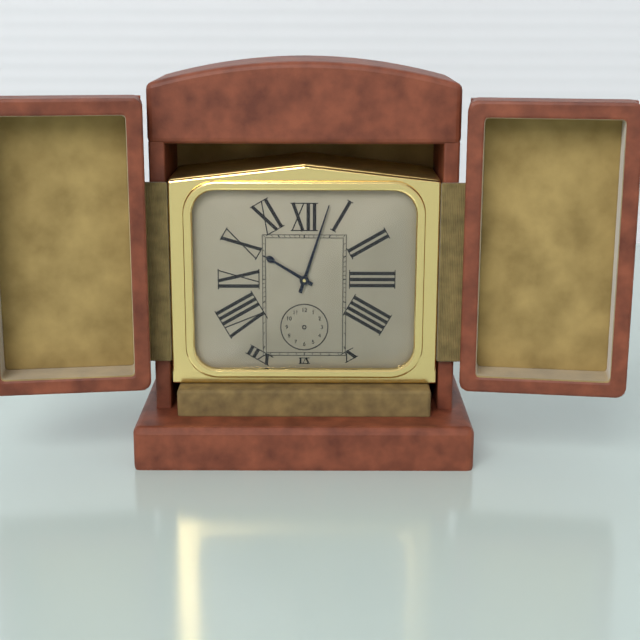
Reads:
h=10 m=3
